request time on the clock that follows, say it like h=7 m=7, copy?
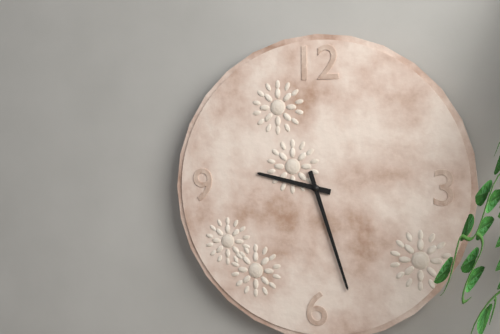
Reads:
h=9 m=27
